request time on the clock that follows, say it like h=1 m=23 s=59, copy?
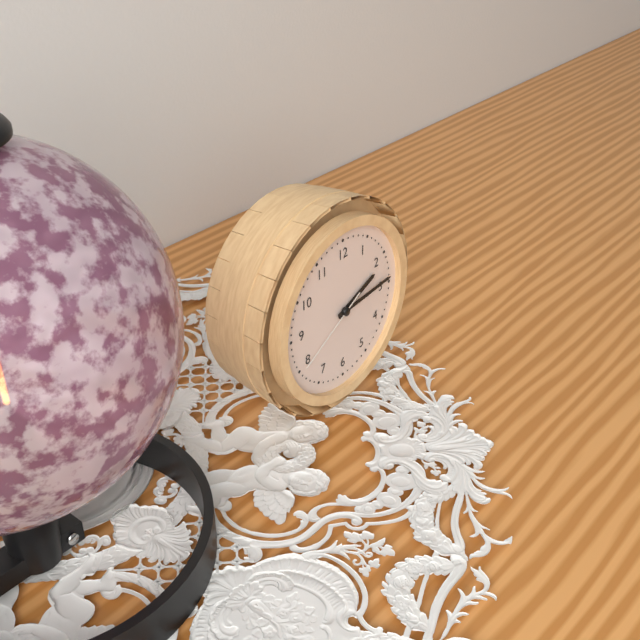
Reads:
h=2 m=14 s=40
